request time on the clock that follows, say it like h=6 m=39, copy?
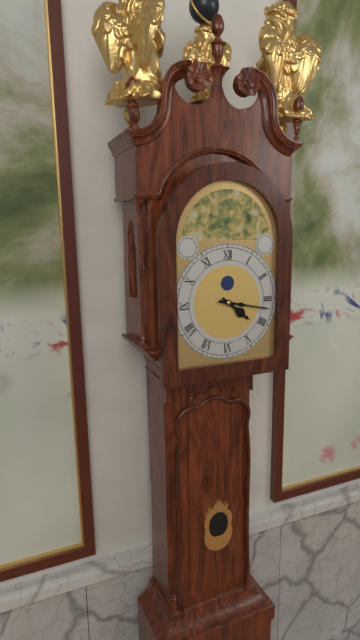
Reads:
h=4 m=17
